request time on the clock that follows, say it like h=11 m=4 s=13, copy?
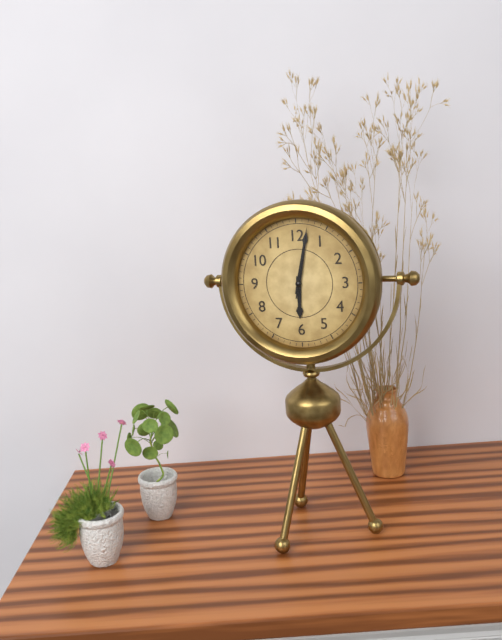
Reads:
h=6 m=2 s=2
